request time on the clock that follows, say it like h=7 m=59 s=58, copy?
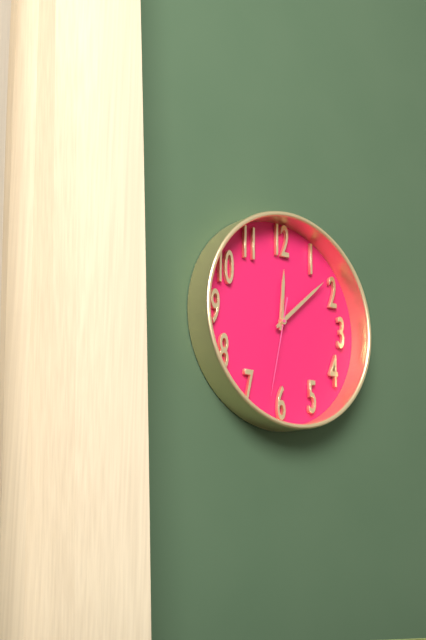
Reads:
h=12 m=8 s=32
